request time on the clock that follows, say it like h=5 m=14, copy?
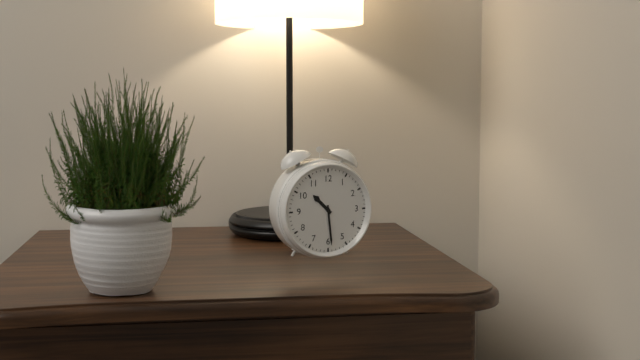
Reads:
h=10 m=29
